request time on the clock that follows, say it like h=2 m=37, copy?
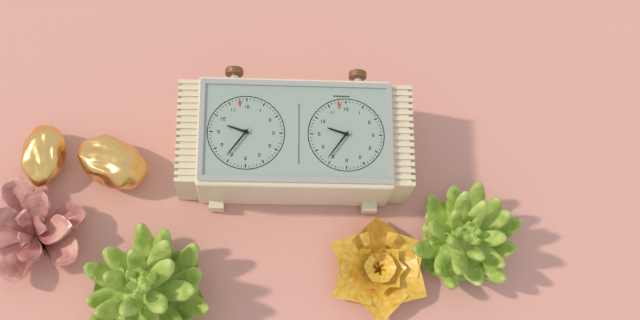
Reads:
h=9 m=36
